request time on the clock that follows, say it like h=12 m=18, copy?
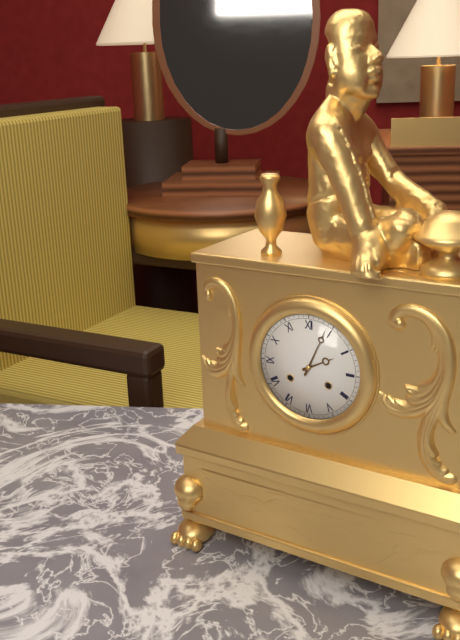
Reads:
h=2 m=4
